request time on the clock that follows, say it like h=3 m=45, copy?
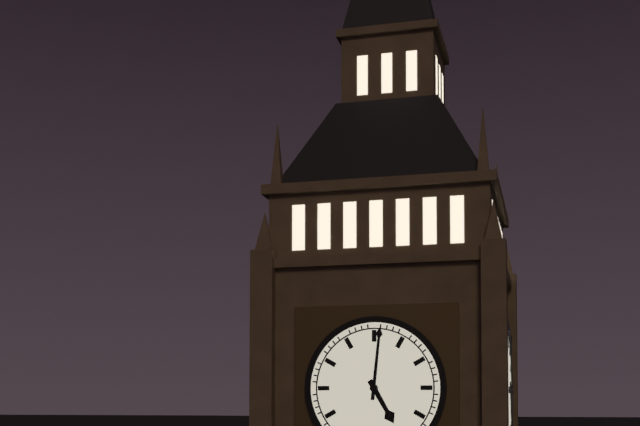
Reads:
h=5 m=1
